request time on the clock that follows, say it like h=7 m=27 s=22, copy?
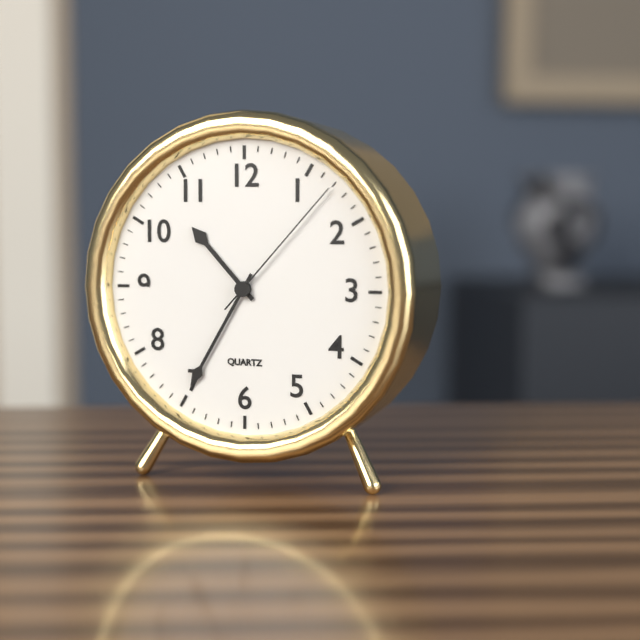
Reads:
h=10 m=35 s=7
